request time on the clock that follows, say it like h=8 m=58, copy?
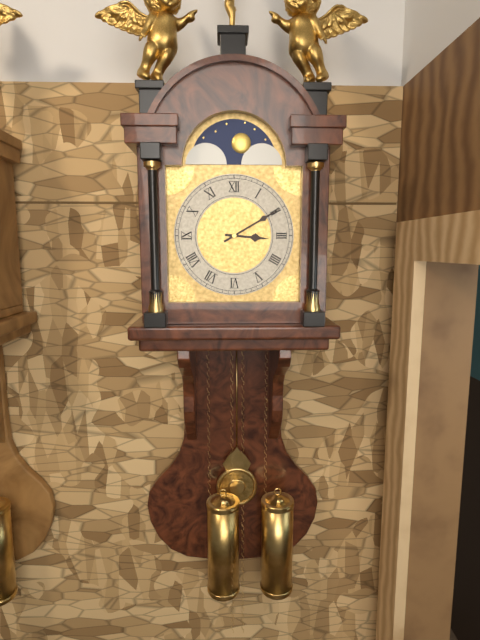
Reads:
h=3 m=10
